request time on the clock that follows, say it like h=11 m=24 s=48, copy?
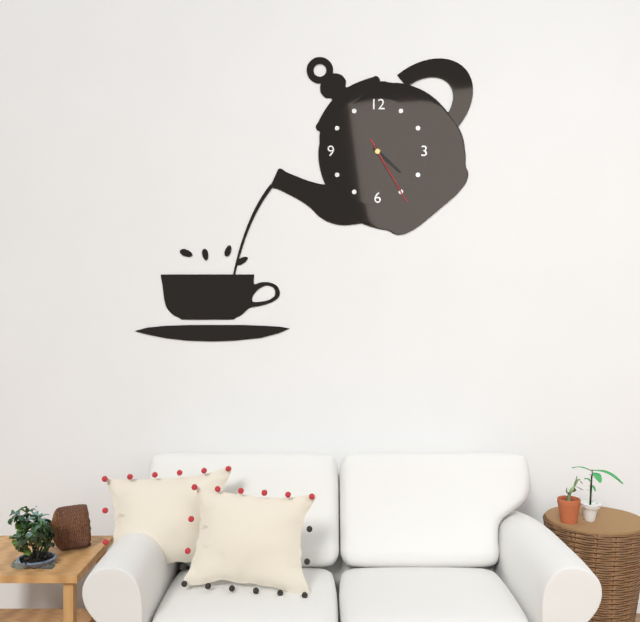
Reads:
h=4 m=25 s=25
